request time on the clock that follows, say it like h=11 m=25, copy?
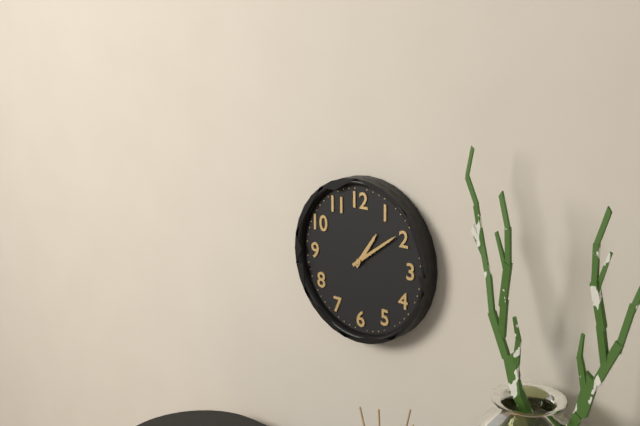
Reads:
h=1 m=9
